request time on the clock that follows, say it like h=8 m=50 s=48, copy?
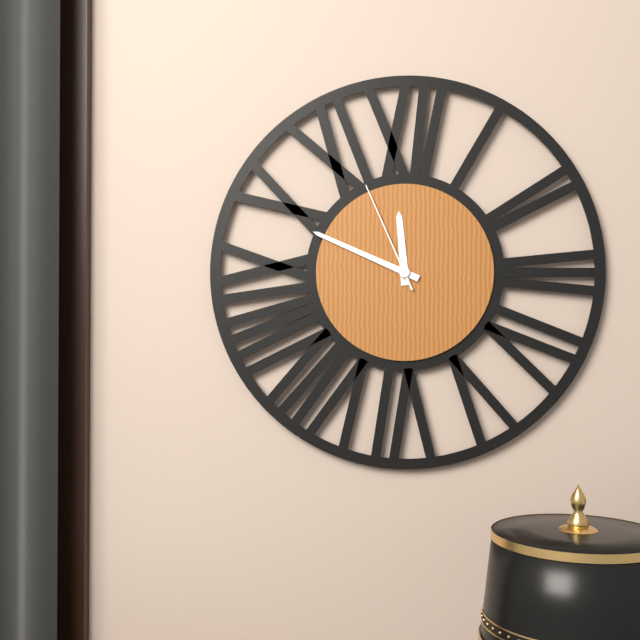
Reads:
h=11 m=49 s=56
